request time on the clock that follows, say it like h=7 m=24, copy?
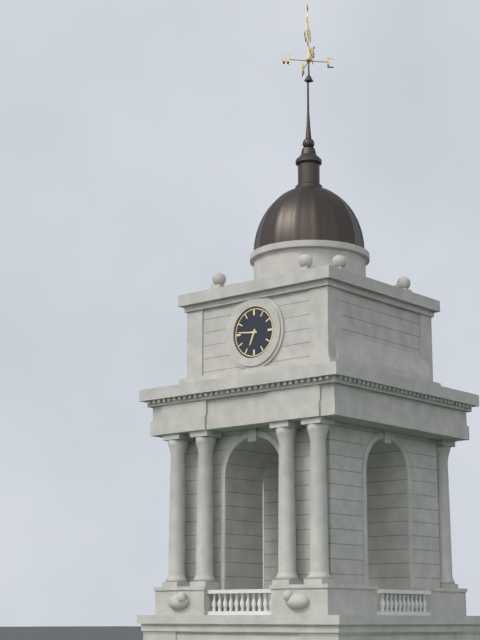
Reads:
h=6 m=46
